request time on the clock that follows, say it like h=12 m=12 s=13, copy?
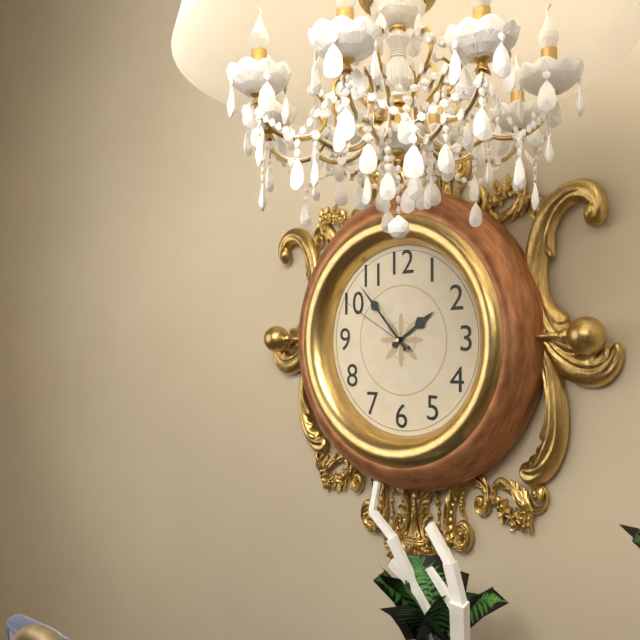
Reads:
h=1 m=53 s=50
